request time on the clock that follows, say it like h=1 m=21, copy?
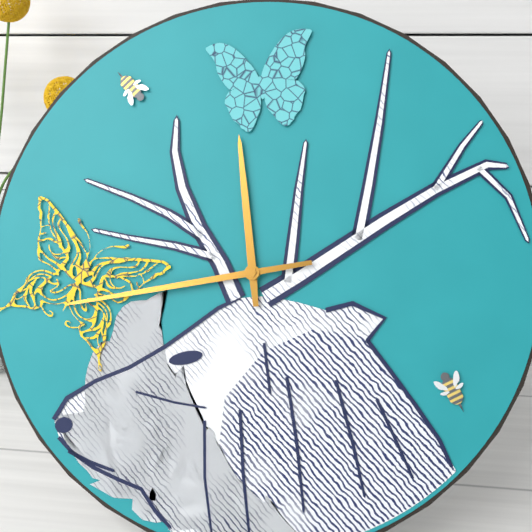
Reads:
h=11 m=43
